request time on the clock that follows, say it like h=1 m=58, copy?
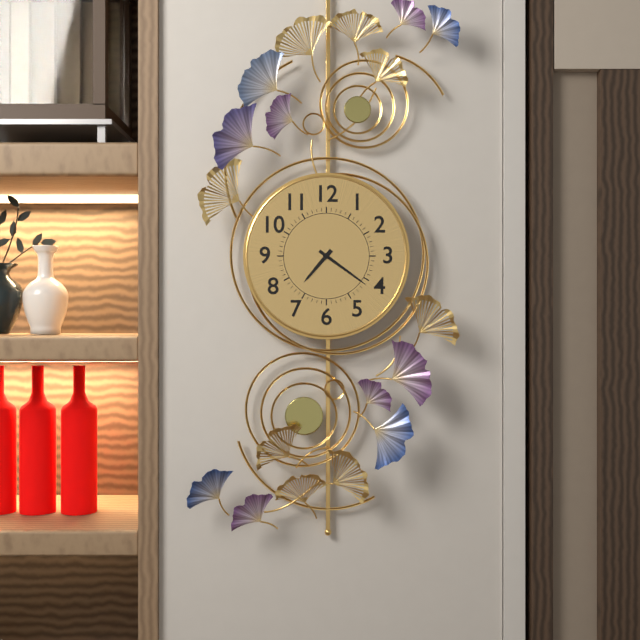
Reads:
h=7 m=21
